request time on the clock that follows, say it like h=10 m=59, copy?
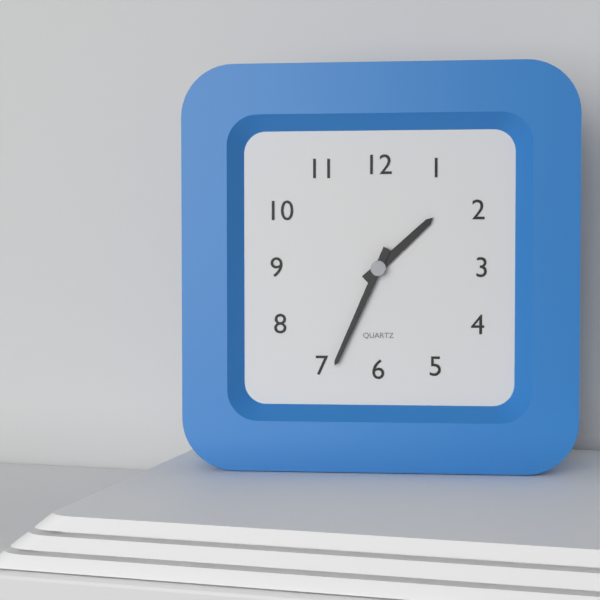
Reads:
h=1 m=34
